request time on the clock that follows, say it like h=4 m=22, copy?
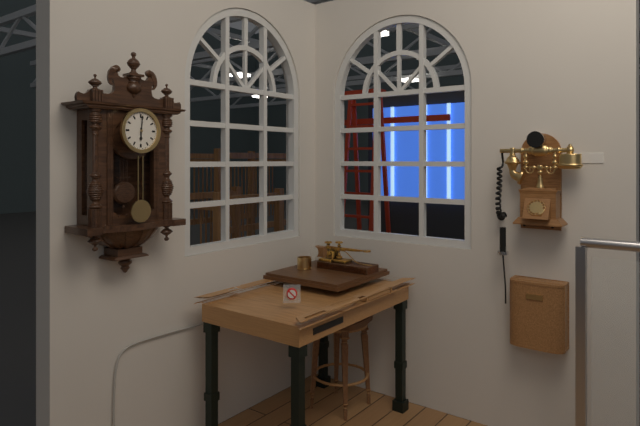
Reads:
h=6 m=1
